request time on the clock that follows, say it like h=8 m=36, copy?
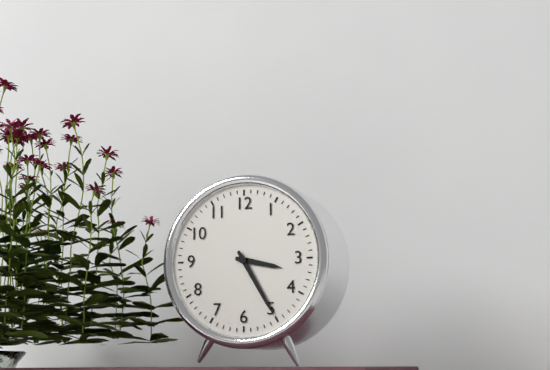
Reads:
h=3 m=25
